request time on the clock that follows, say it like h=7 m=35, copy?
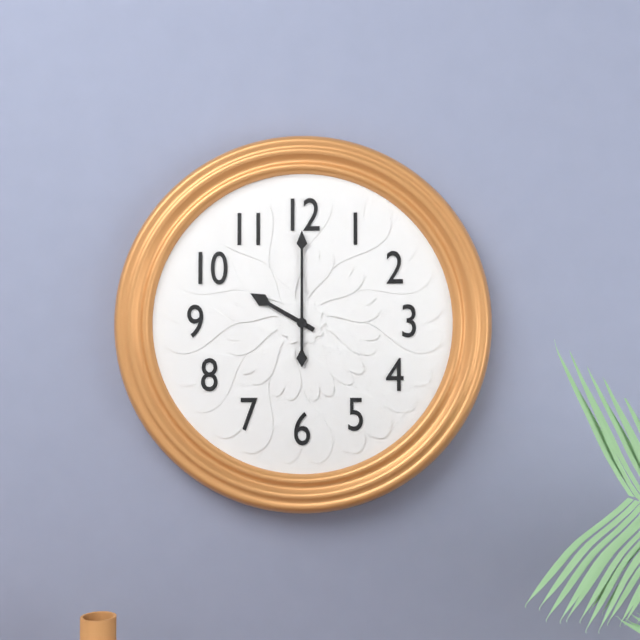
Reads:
h=10 m=0
